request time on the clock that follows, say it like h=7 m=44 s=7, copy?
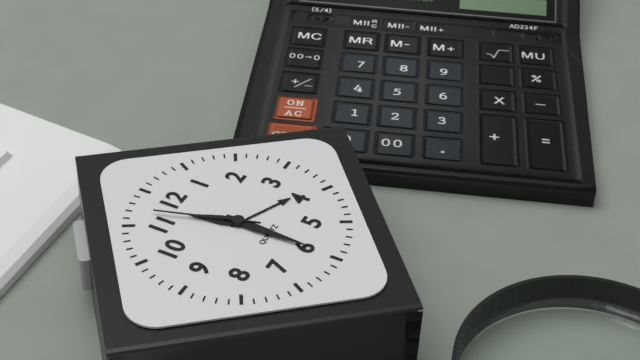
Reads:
h=11 m=30 s=57
